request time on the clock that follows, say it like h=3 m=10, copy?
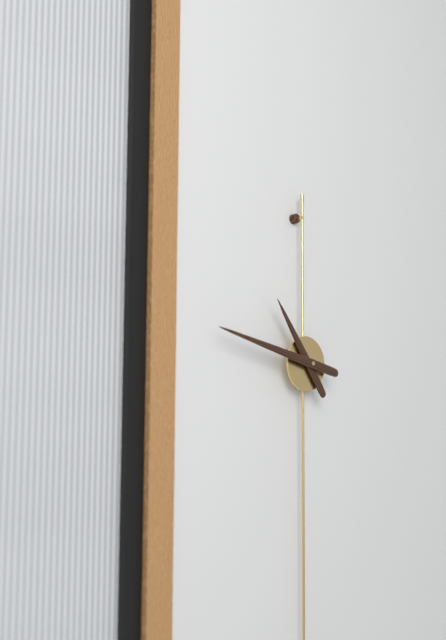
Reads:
h=10 m=47
